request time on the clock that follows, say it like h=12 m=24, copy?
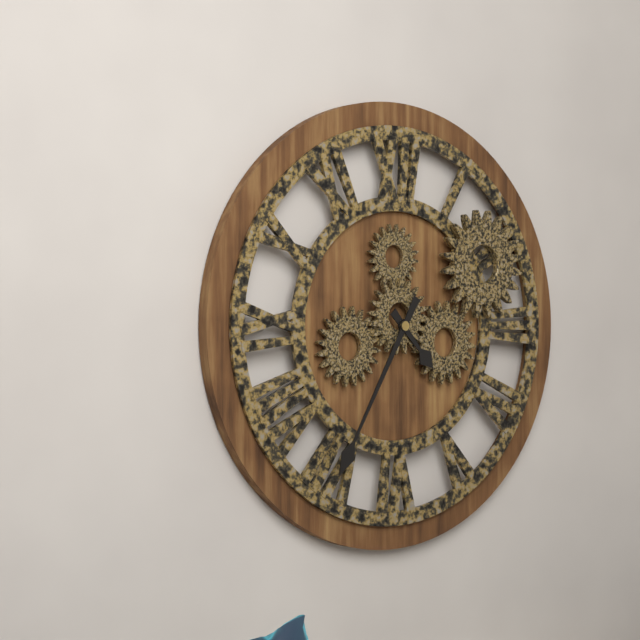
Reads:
h=4 m=35
